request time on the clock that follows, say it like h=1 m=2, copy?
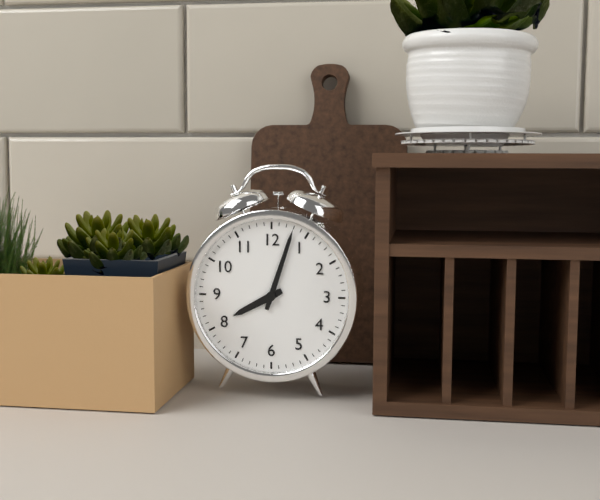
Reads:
h=8 m=3
